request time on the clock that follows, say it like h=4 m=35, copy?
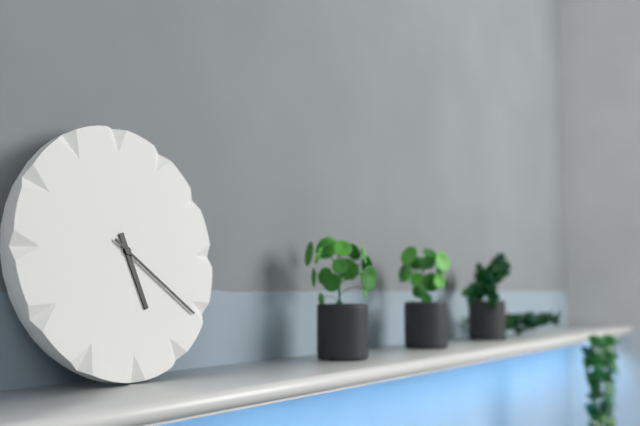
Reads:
h=5 m=21
